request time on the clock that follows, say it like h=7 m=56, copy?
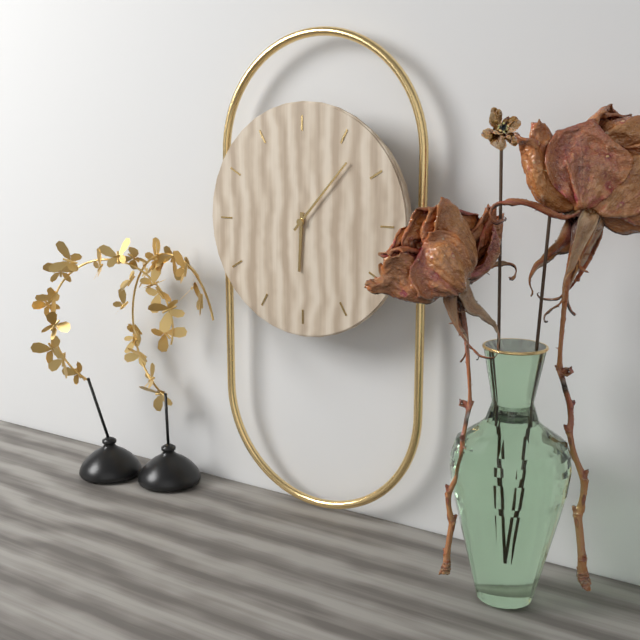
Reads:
h=6 m=7
